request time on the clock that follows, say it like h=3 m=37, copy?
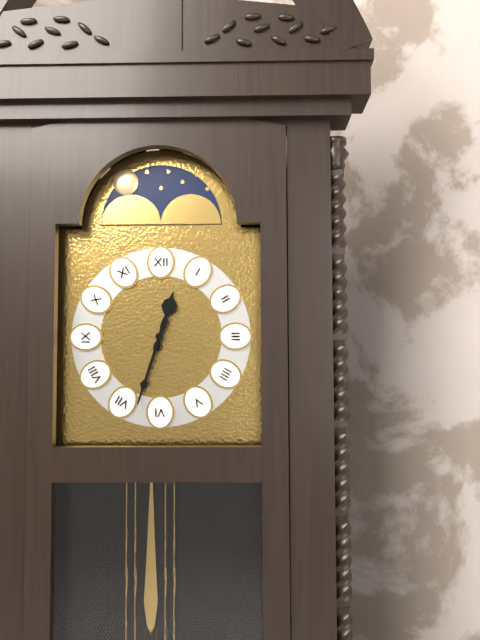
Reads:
h=12 m=33
